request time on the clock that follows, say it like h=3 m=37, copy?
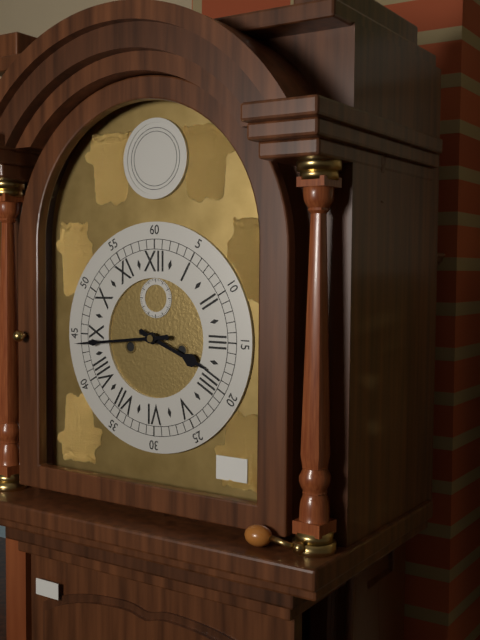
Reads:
h=3 m=44
